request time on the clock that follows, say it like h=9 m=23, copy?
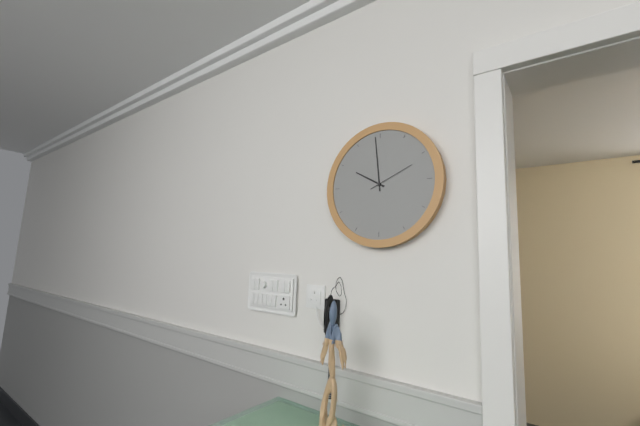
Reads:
h=9 m=59
